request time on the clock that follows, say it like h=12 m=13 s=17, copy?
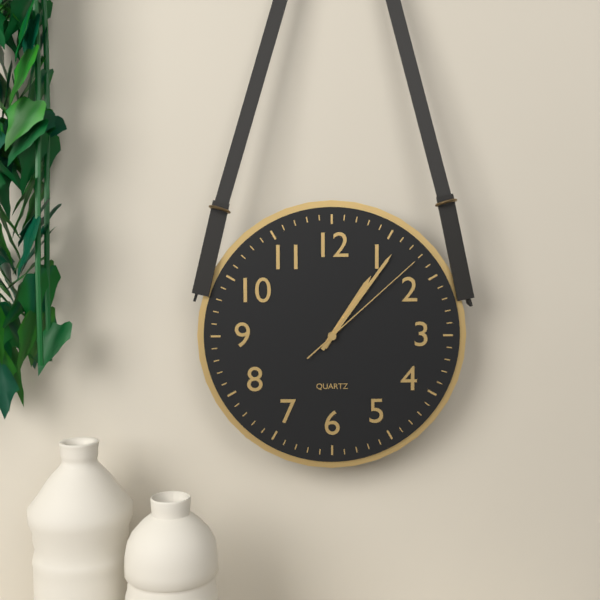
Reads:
h=1 m=6 s=8
